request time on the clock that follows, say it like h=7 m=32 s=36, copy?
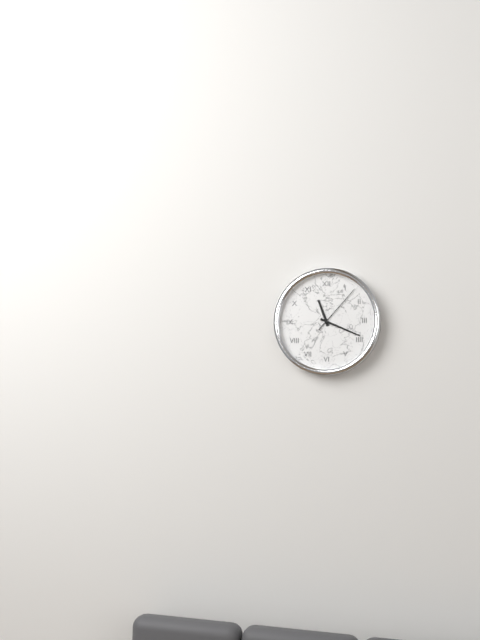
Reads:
h=11 m=19 s=7
